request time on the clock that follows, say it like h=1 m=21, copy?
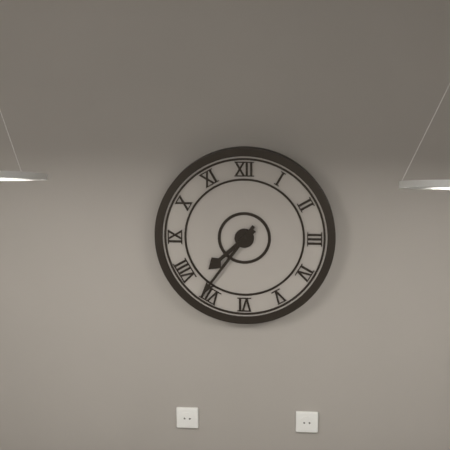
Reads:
h=7 m=36
